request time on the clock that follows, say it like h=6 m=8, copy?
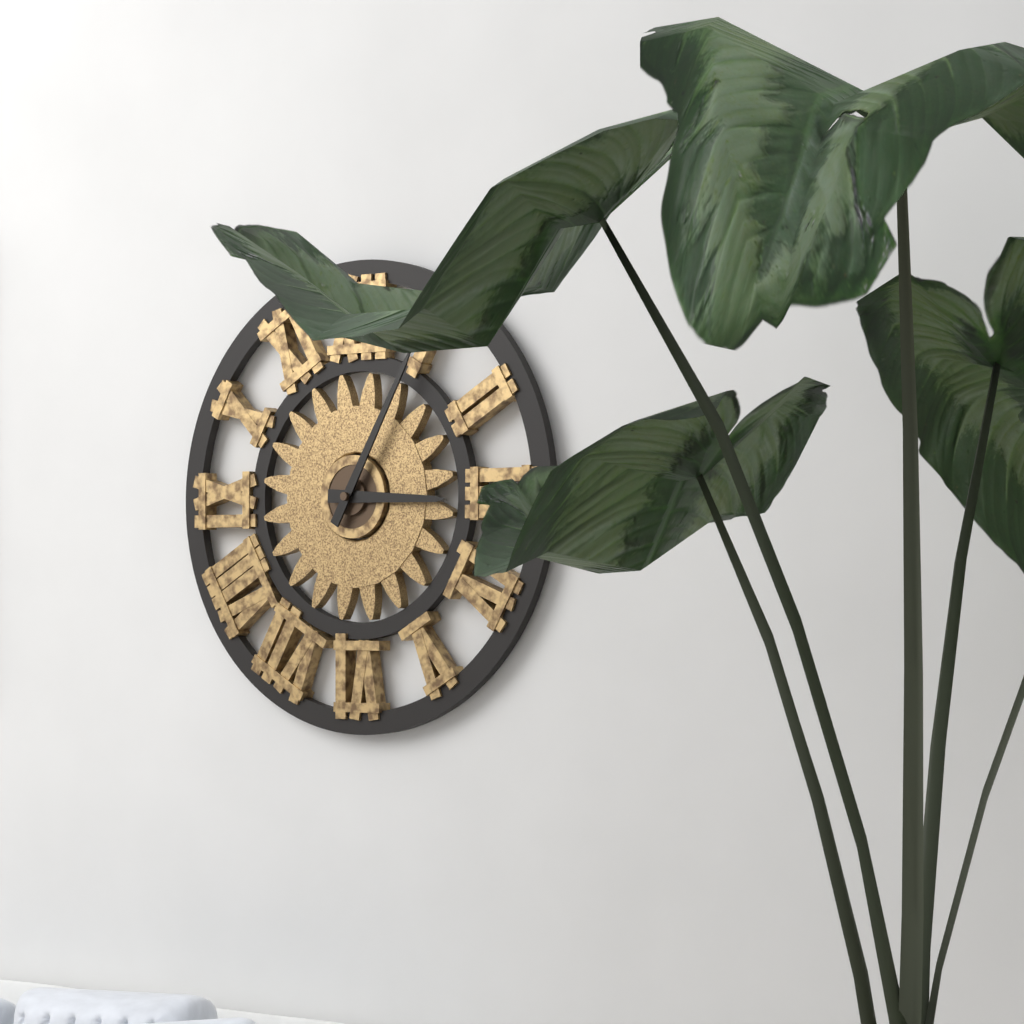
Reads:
h=3 m=5
